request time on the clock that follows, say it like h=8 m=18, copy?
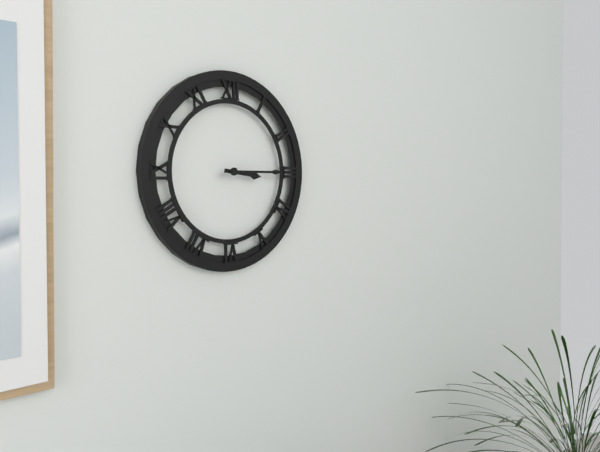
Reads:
h=3 m=15
